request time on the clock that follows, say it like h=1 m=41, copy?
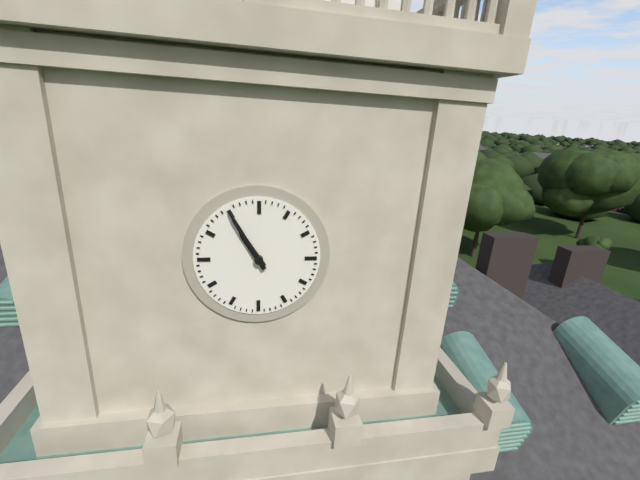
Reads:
h=10 m=55
